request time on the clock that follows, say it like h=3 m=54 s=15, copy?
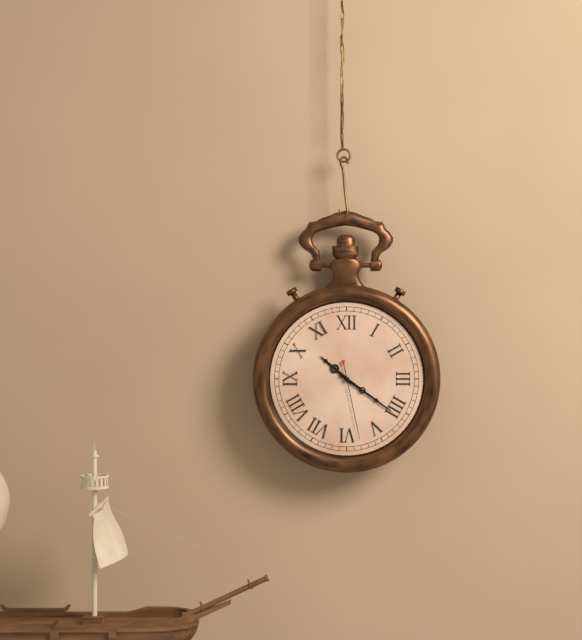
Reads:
h=10 m=21 s=28
